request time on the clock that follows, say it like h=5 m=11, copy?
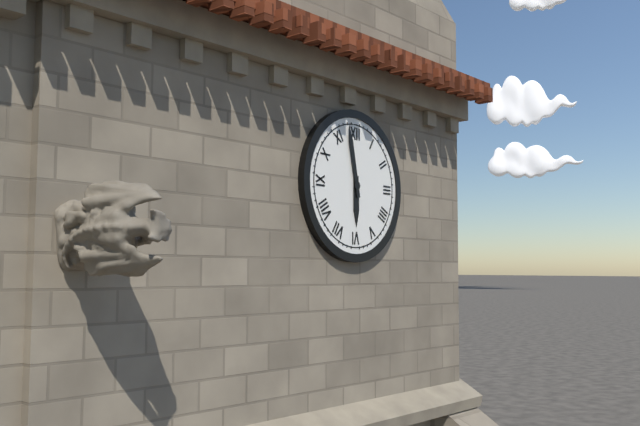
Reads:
h=5 m=58
